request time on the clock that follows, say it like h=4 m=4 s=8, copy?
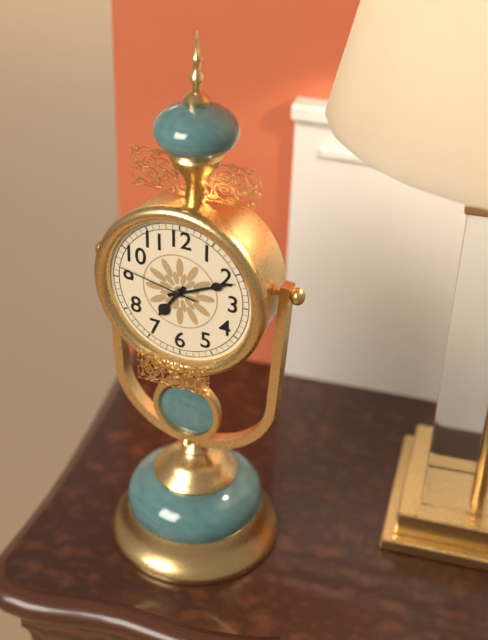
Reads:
h=7 m=11 s=47
